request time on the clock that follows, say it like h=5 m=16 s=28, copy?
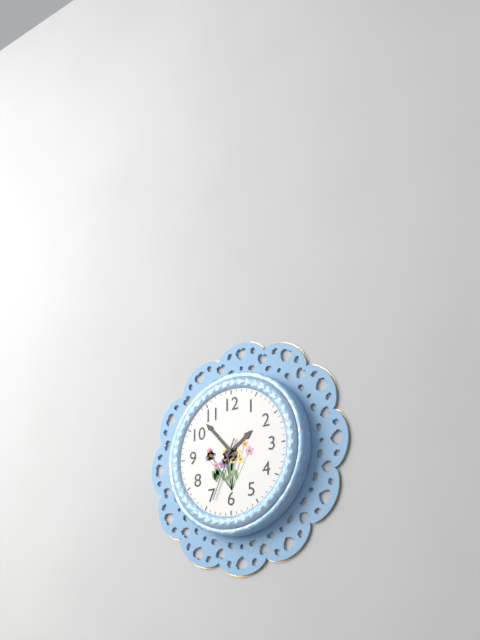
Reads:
h=1 m=53 s=34
